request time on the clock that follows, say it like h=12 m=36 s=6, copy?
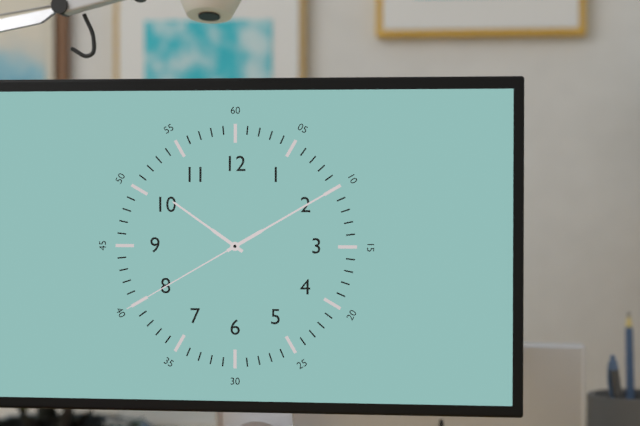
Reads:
h=10 m=10 s=40
